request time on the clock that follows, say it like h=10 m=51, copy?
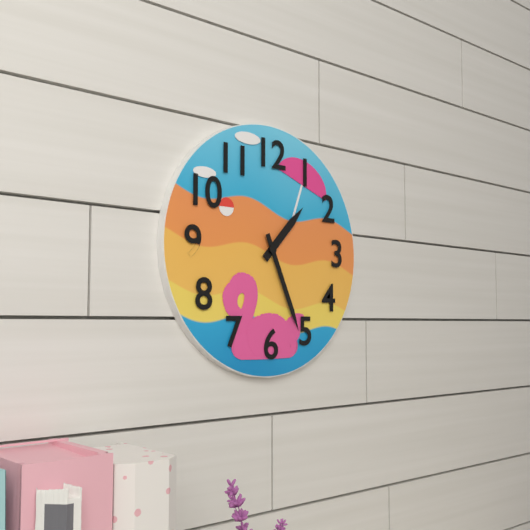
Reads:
h=1 m=26
